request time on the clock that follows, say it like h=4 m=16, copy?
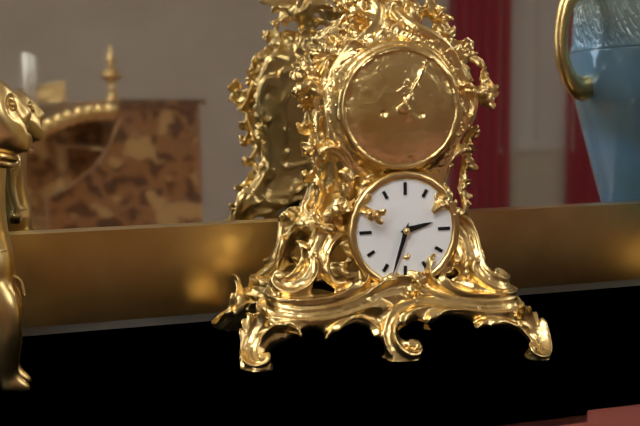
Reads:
h=2 m=33
